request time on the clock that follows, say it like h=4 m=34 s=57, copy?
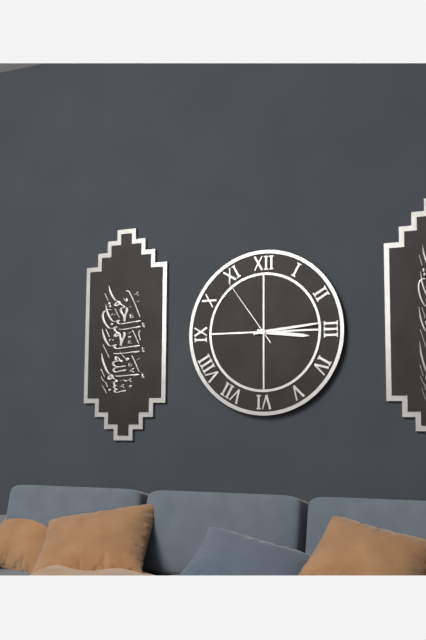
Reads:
h=3 m=14 s=54
